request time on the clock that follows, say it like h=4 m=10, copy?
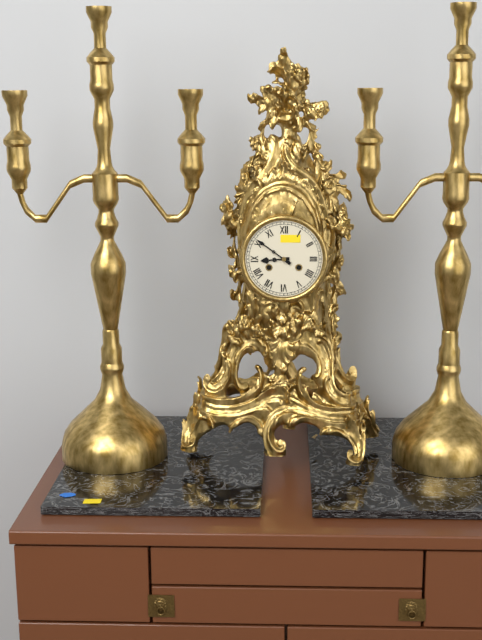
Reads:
h=8 m=51
